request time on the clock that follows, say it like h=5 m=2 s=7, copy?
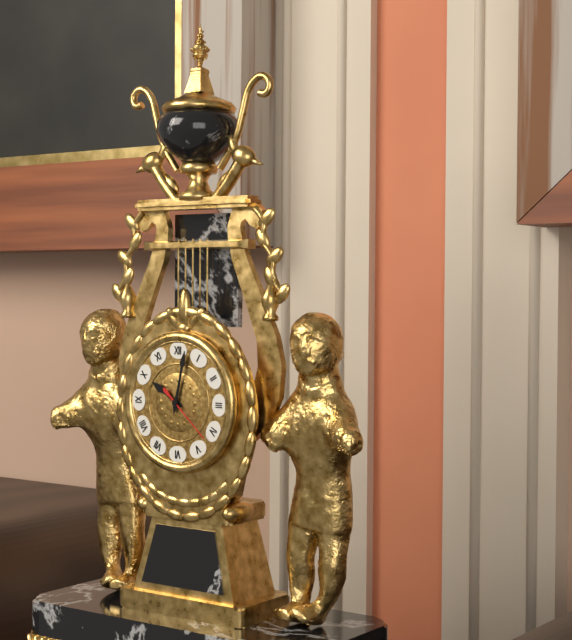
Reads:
h=10 m=2 s=22
